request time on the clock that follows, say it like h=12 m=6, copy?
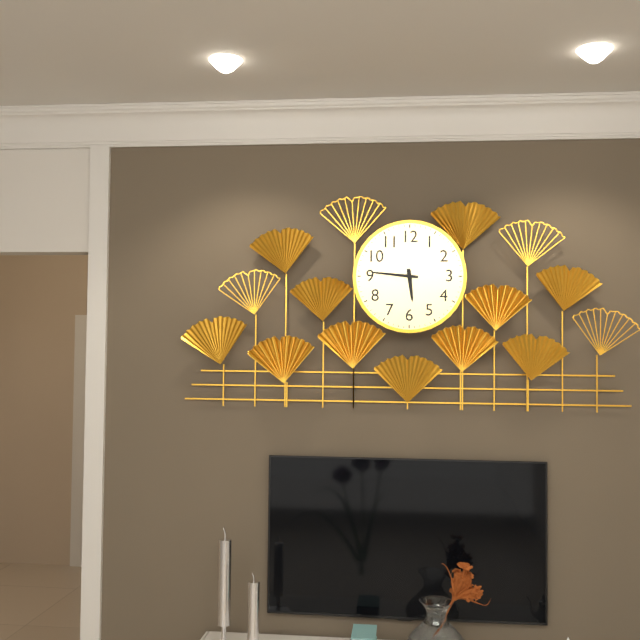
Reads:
h=5 m=46
